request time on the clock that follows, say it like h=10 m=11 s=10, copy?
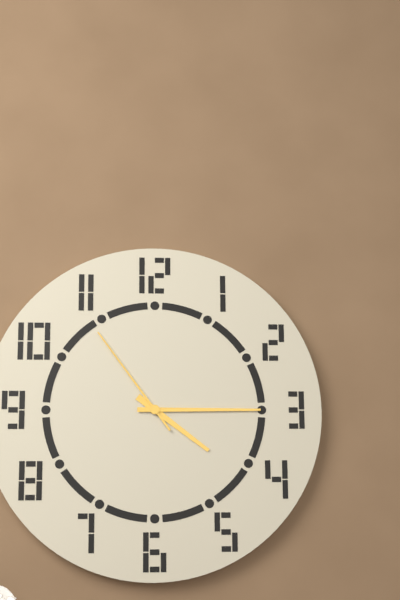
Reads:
h=4 m=15 s=54
